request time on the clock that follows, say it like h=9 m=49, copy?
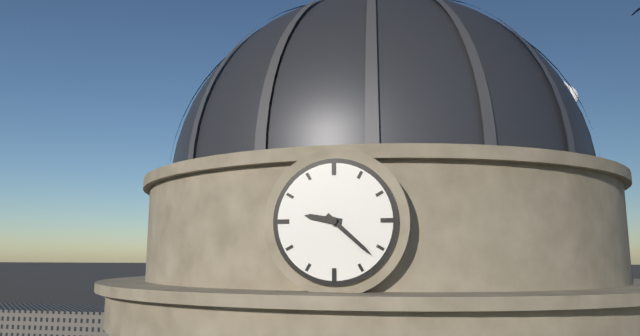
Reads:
h=9 m=22
